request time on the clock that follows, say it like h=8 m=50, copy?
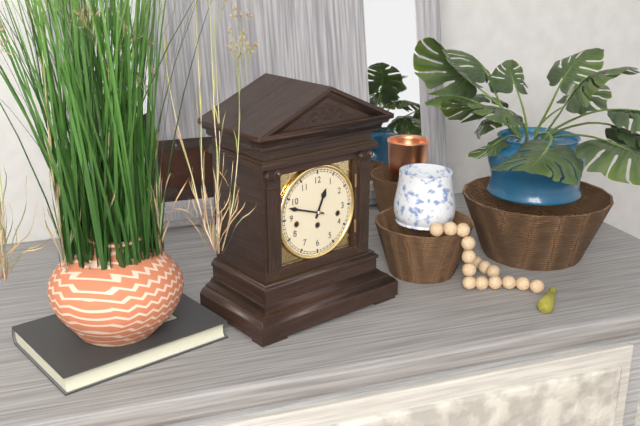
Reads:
h=12 m=48
